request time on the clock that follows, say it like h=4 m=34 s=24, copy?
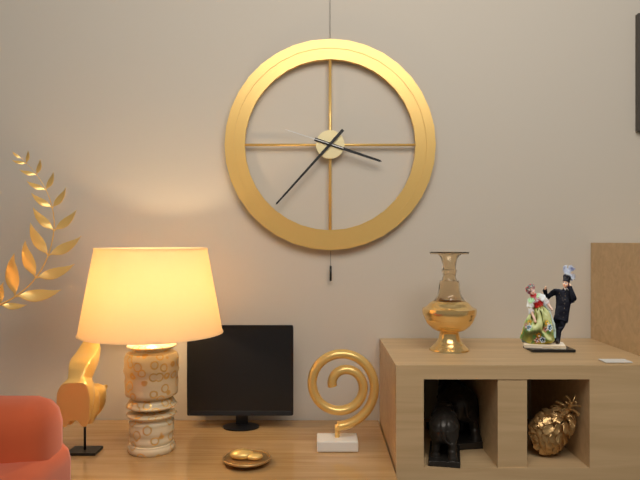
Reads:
h=3 m=37 s=48
